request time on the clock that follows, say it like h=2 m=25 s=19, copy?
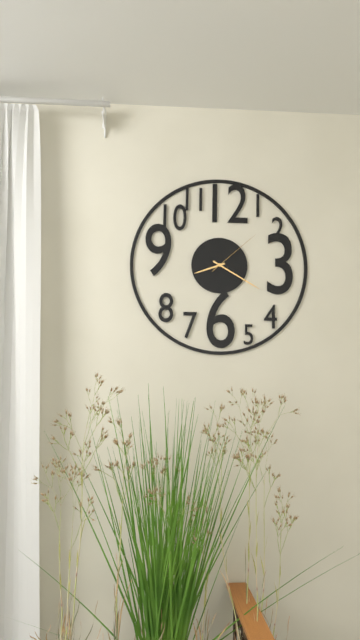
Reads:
h=8 m=20 s=8
